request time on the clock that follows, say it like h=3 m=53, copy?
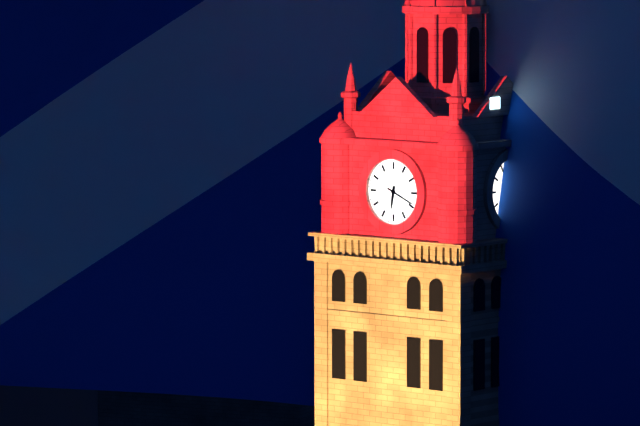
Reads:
h=6 m=19
